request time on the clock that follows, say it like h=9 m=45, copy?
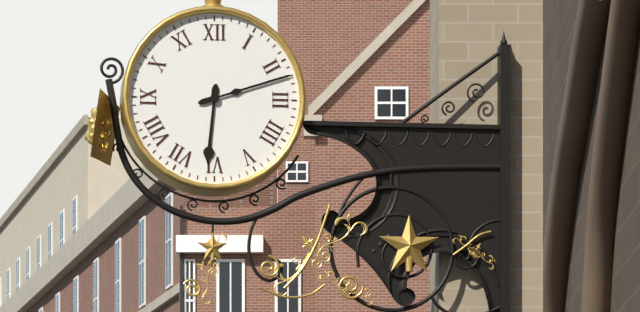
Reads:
h=6 m=12
